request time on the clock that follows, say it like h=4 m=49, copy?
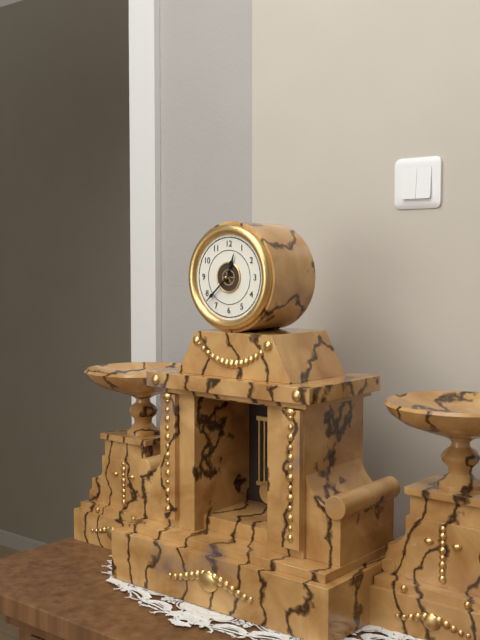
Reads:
h=12 m=38
